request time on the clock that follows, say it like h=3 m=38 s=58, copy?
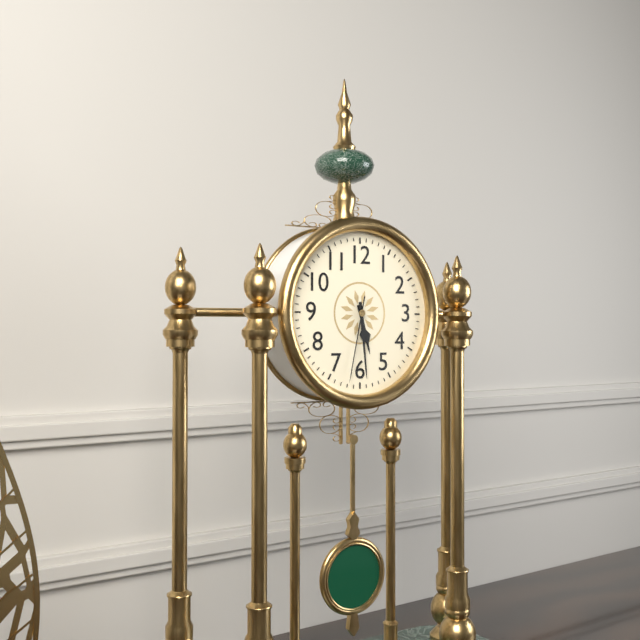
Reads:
h=5 m=29 s=32
